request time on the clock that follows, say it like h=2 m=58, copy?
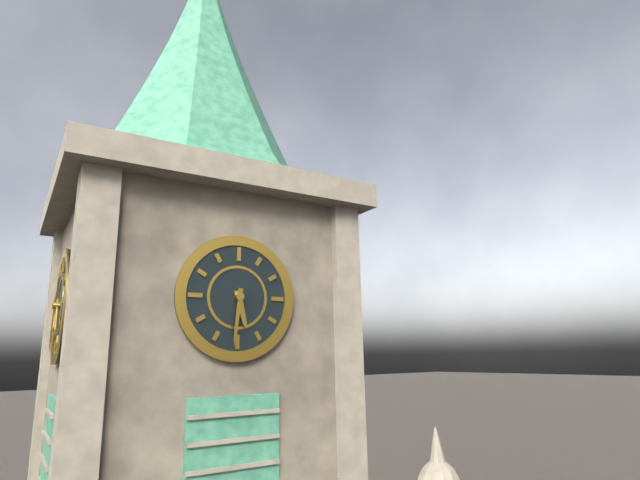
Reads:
h=5 m=31
